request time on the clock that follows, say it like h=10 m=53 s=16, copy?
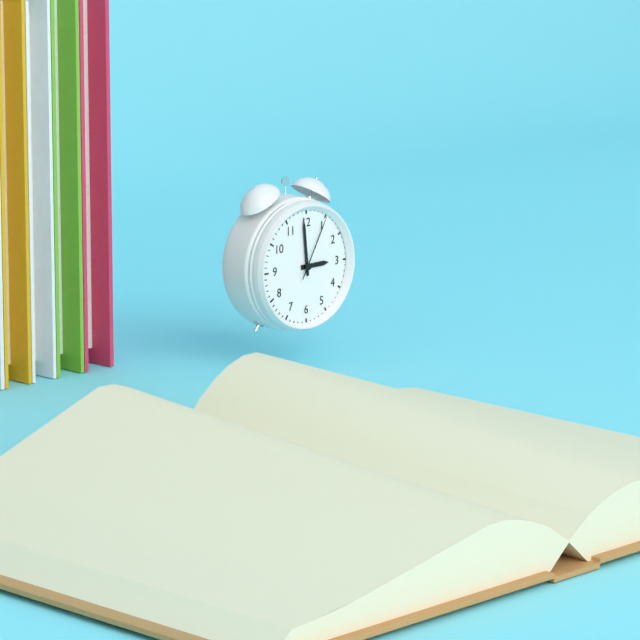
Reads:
h=2 m=59 s=5
